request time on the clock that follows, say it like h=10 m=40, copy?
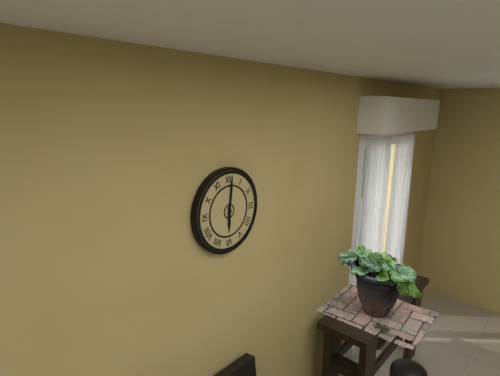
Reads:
h=6 m=1
